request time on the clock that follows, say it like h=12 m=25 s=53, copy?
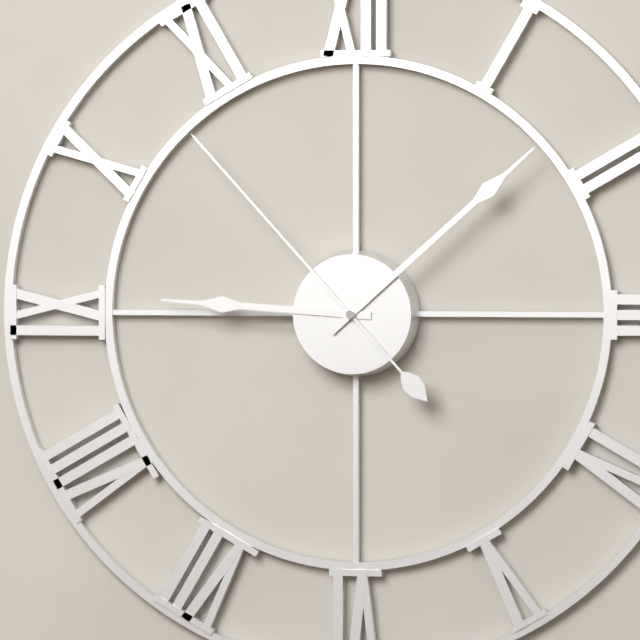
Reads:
h=9 m=8 s=53
